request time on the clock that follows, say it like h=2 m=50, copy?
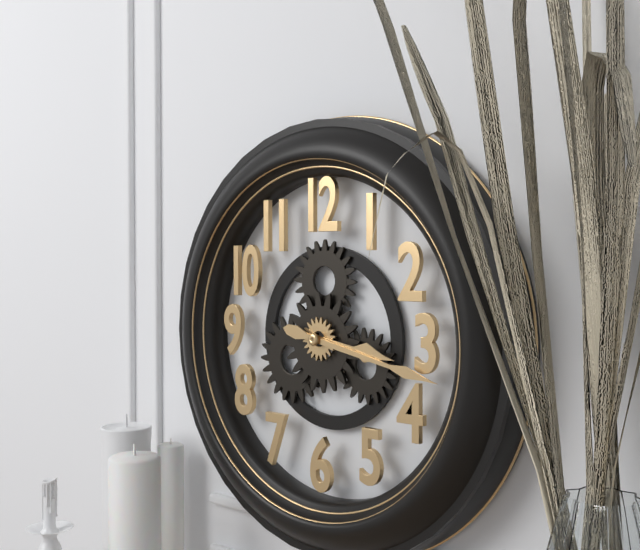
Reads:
h=3 m=17
